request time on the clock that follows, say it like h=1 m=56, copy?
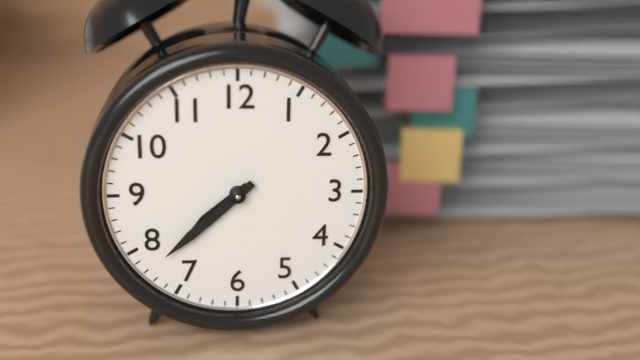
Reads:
h=7 m=38
